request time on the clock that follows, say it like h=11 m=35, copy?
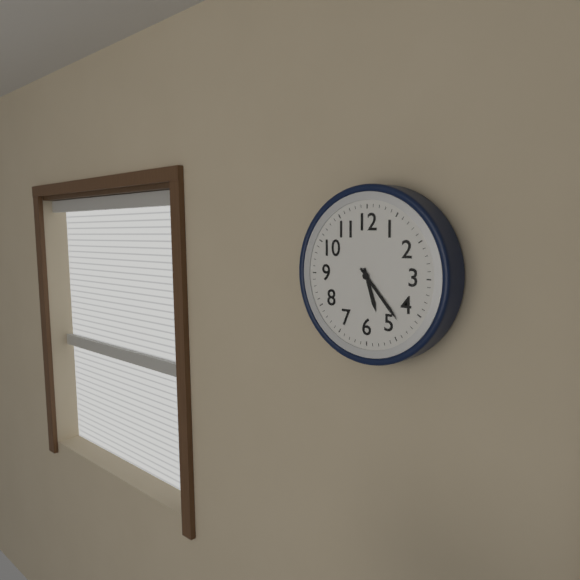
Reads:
h=5 m=23
